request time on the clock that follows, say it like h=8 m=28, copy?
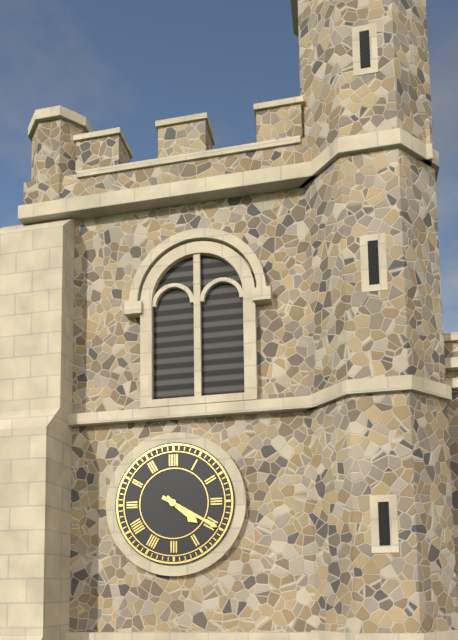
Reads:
h=4 m=20
